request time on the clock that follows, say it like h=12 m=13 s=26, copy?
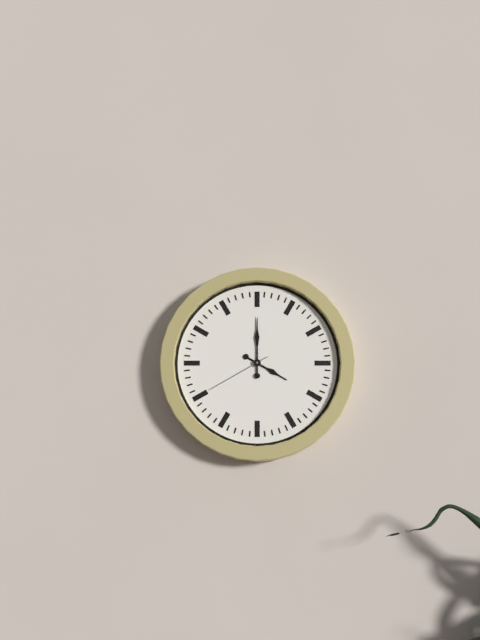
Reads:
h=4 m=0 s=40
